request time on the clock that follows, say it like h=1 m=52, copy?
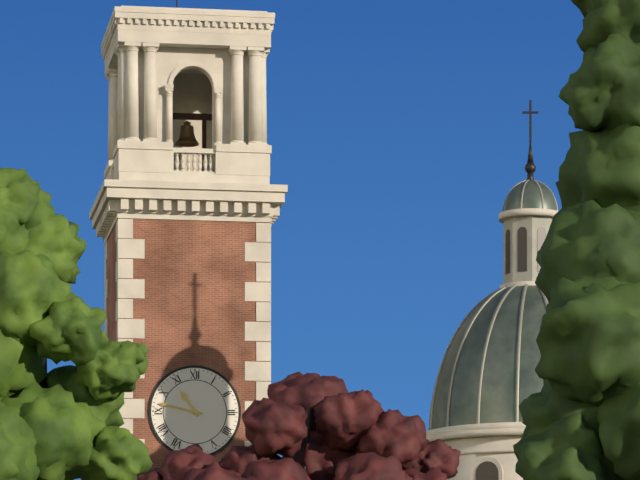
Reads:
h=10 m=47
